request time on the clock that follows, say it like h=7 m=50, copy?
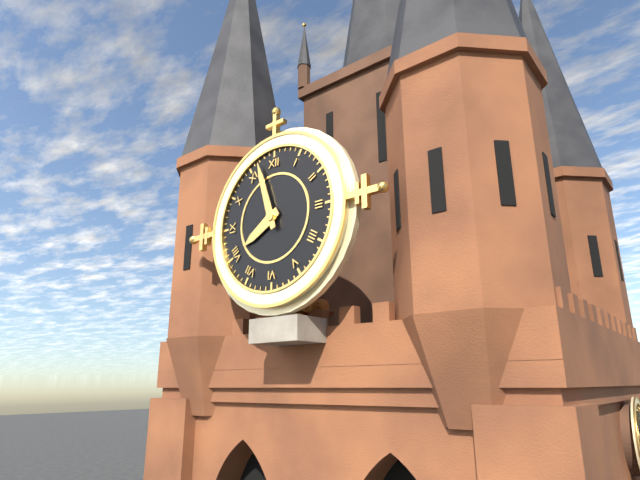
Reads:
h=7 m=57
